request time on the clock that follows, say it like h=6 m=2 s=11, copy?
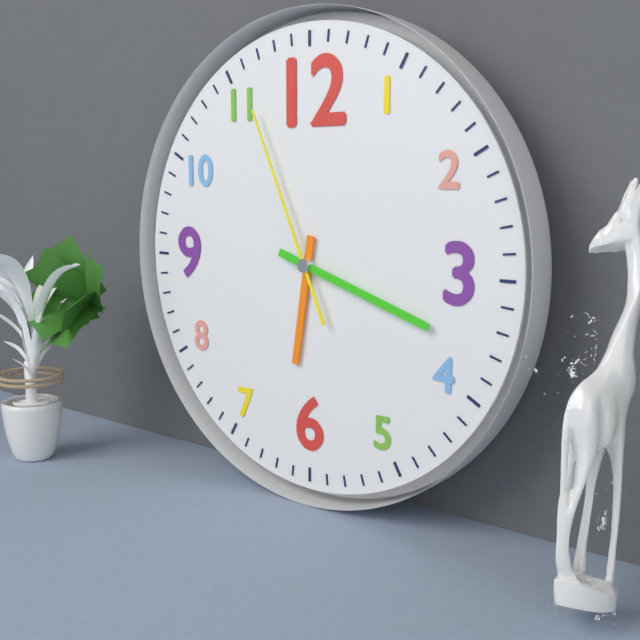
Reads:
h=6 m=18 s=56
